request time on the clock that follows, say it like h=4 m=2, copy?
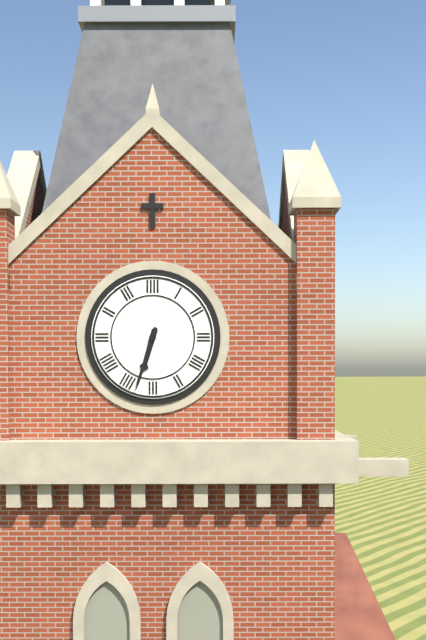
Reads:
h=6 m=33
